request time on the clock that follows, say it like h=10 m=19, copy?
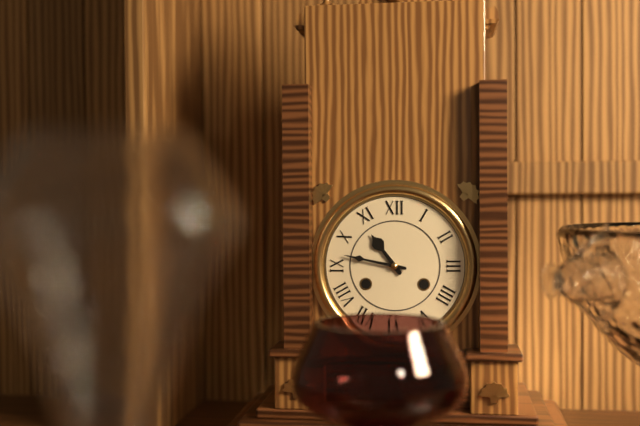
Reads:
h=10 m=47
